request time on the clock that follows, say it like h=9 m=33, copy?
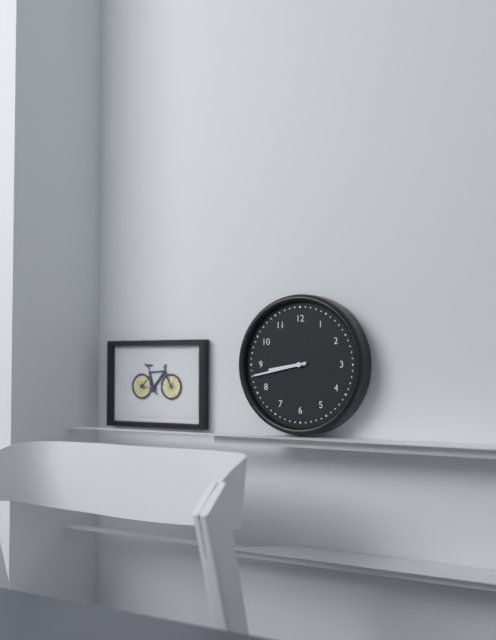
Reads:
h=8 m=43
